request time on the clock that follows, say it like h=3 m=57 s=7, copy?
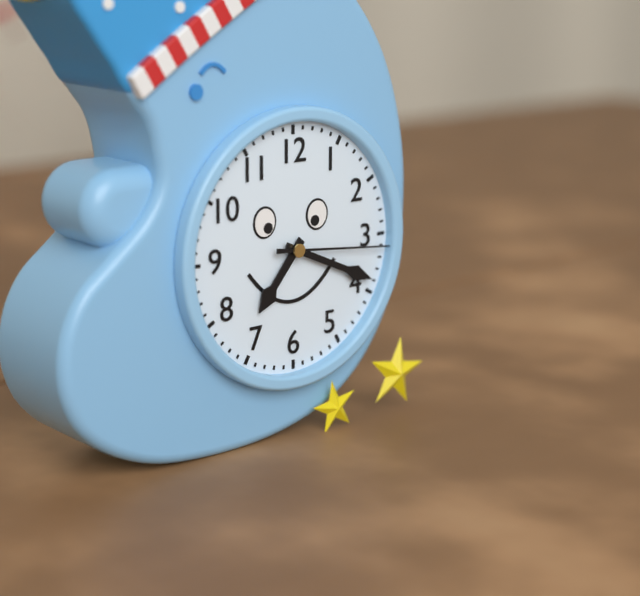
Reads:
h=7 m=19 s=16
